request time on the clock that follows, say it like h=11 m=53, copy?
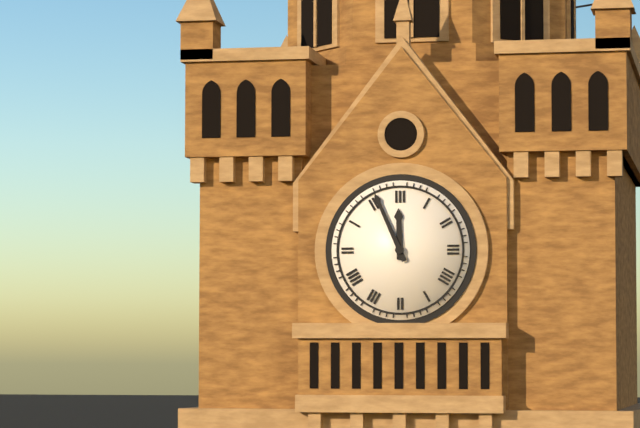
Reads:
h=11 m=56
